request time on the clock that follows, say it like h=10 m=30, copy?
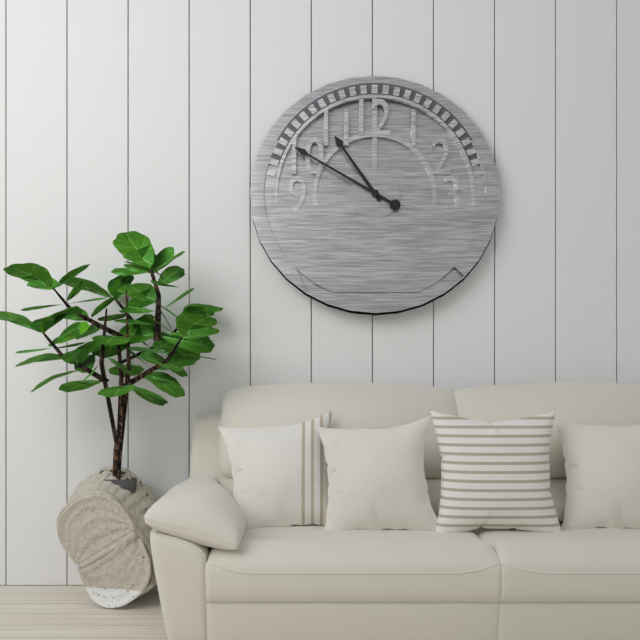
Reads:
h=10 m=50
